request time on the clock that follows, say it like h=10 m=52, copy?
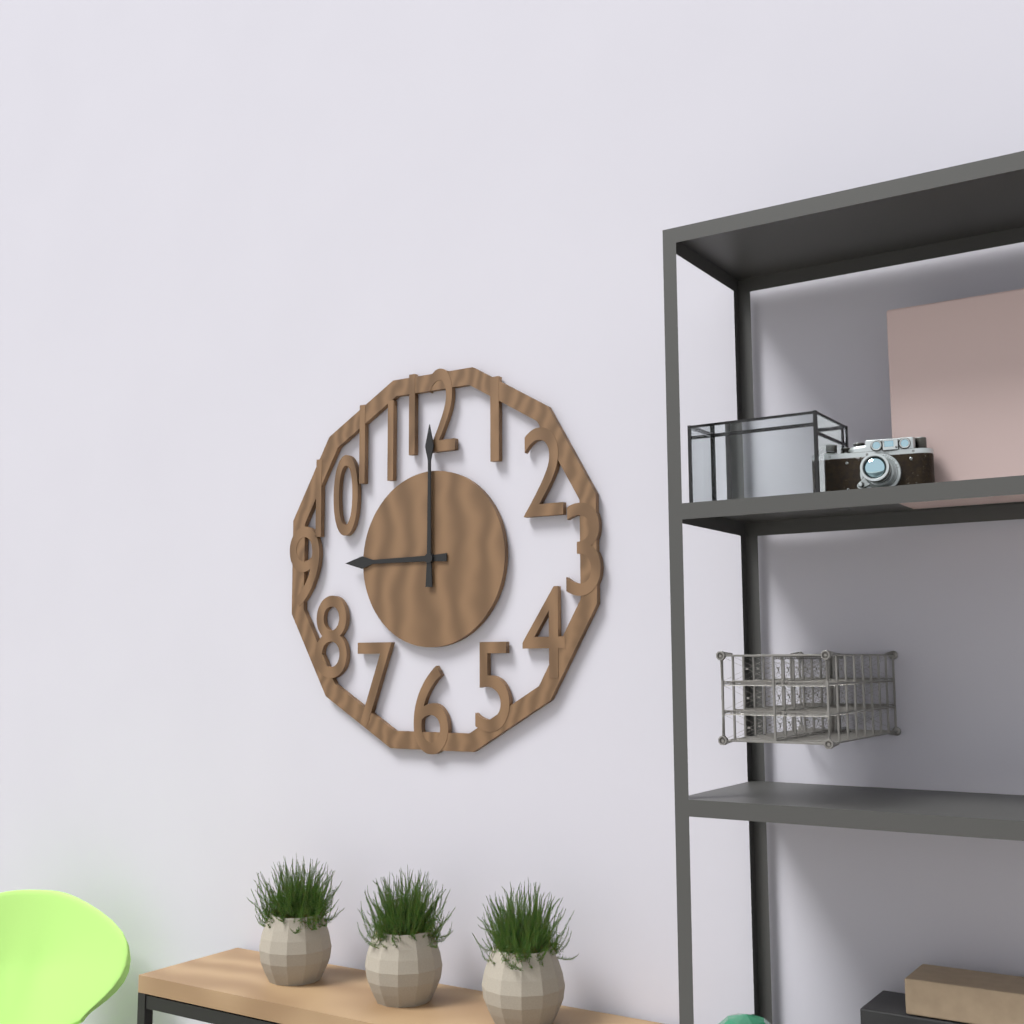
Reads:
h=9 m=0
